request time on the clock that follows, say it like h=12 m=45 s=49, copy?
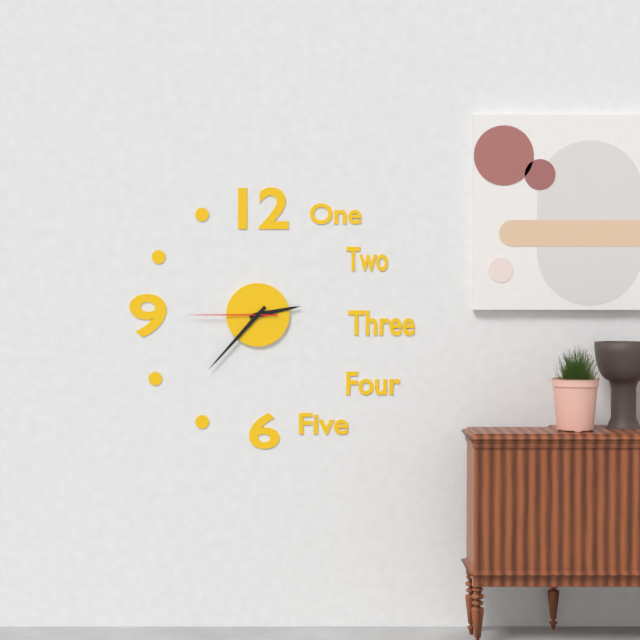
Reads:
h=2 m=37 s=45
